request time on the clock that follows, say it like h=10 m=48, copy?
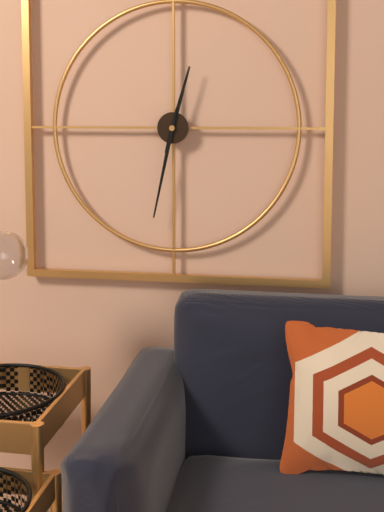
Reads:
h=12 m=32
